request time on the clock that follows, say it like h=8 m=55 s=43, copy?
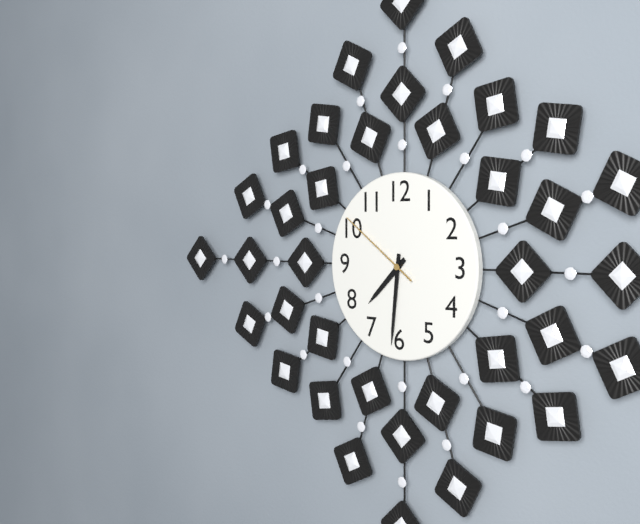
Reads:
h=7 m=31 s=51
